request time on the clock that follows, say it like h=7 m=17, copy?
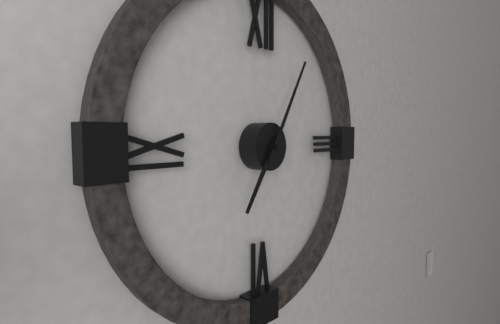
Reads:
h=7 m=5
